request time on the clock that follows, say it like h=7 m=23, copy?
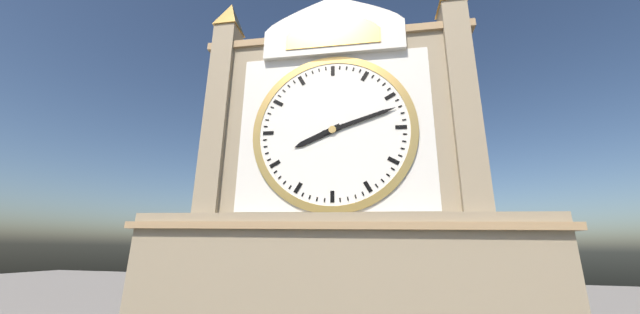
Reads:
h=8 m=12
